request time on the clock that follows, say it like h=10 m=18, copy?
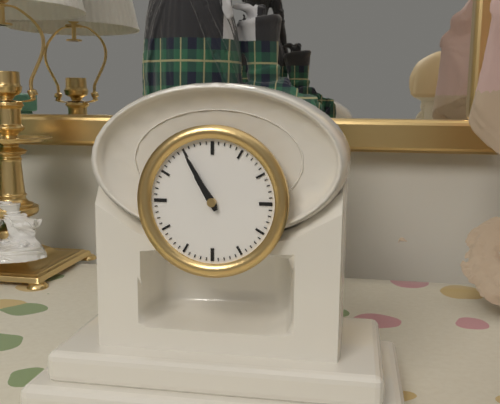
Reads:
h=10 m=55
